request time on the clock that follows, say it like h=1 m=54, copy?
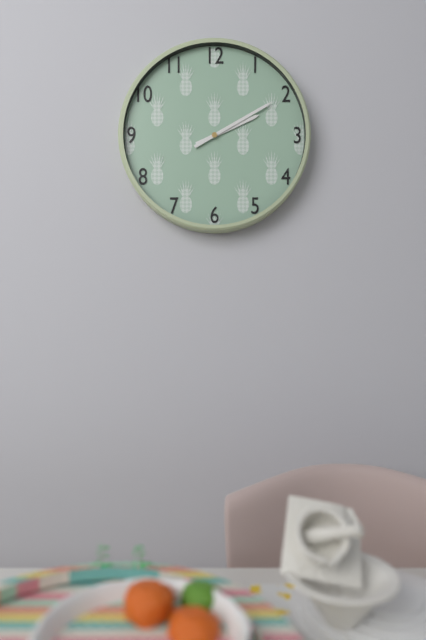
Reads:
h=2 m=10
